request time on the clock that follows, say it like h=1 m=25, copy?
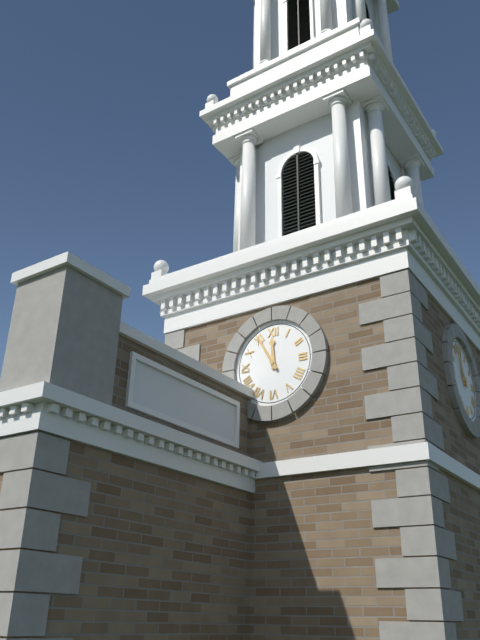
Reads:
h=11 m=55
